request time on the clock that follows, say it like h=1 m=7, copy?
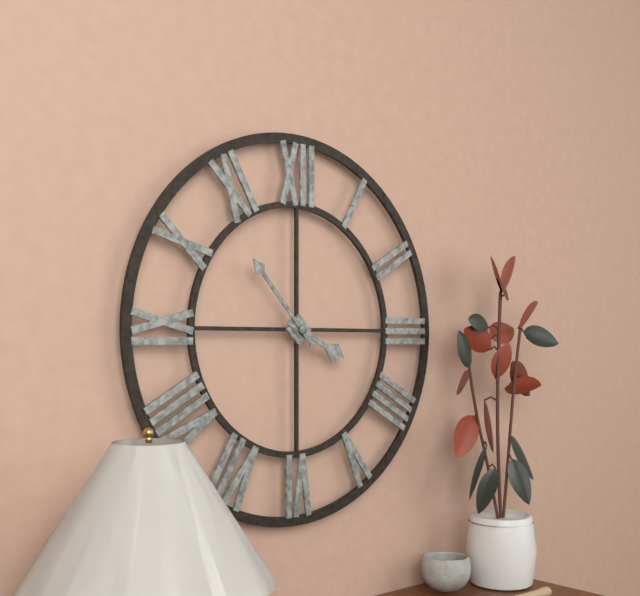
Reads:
h=3 m=53
